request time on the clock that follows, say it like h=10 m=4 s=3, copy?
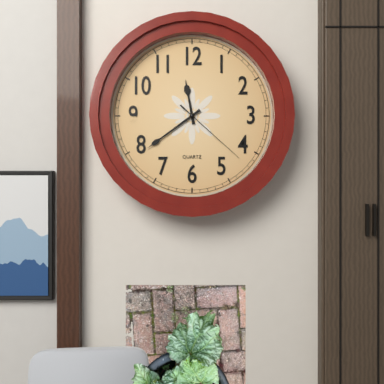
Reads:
h=11 m=39 s=22
